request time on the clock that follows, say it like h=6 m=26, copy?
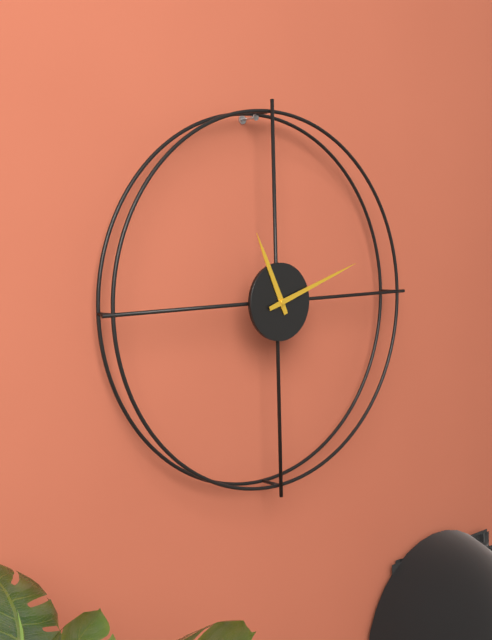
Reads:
h=11 m=12
